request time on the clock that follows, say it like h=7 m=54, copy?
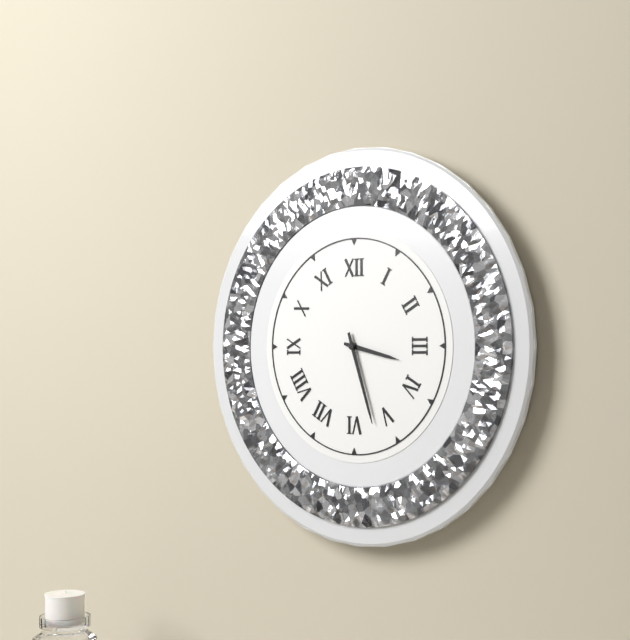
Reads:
h=3 m=27
